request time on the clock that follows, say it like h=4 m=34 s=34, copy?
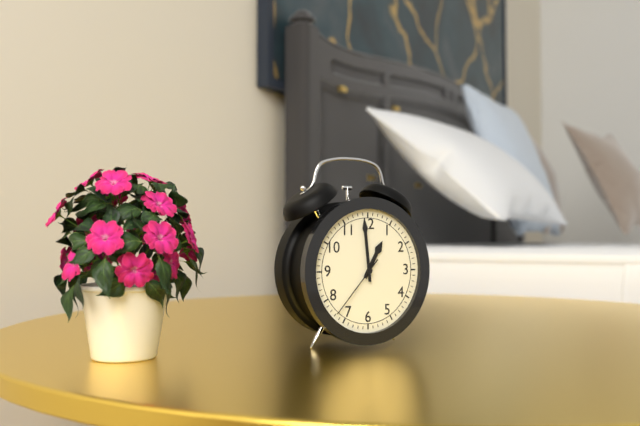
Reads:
h=12 m=59 s=37
